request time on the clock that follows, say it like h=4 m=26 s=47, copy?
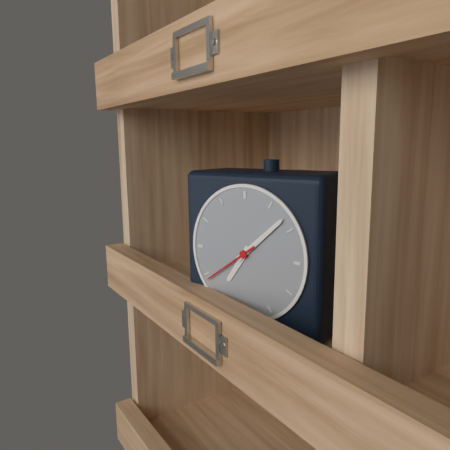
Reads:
h=7 m=8 s=39
